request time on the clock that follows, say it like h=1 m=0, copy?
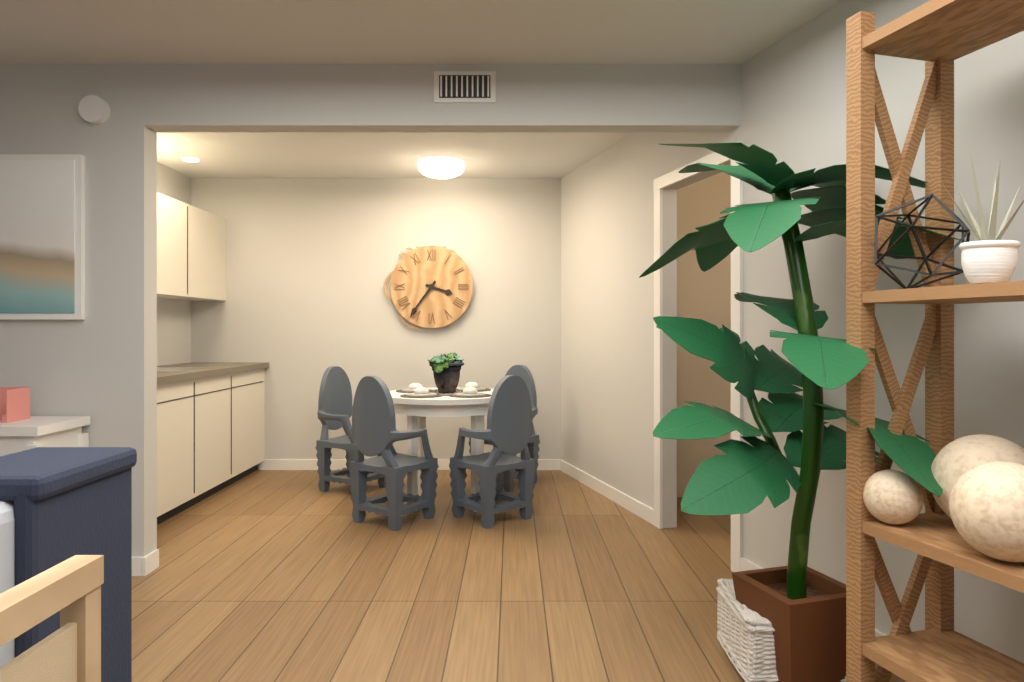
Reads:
h=3 m=36
